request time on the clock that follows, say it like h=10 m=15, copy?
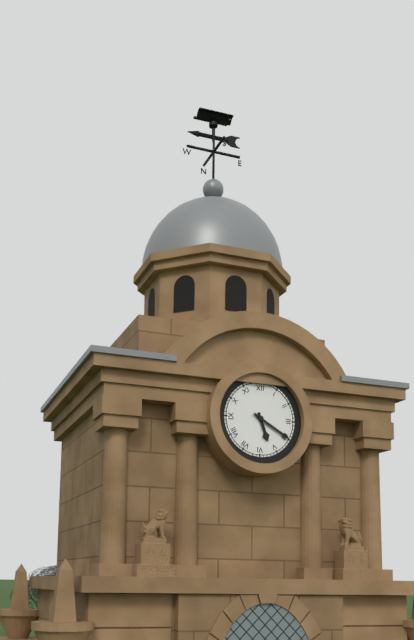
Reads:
h=5 m=20
